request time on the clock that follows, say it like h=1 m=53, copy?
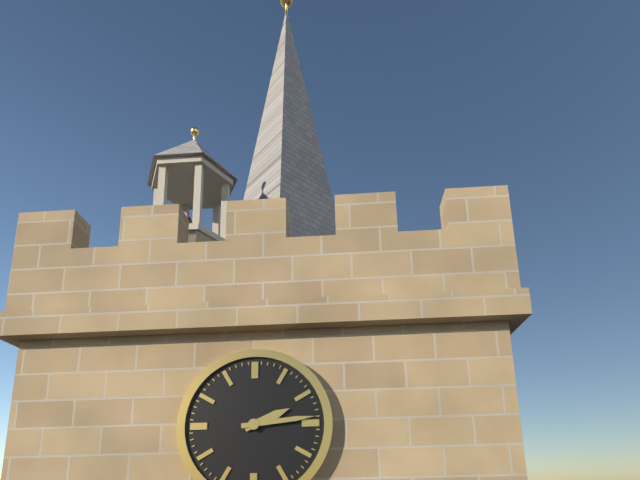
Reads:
h=2 m=14
